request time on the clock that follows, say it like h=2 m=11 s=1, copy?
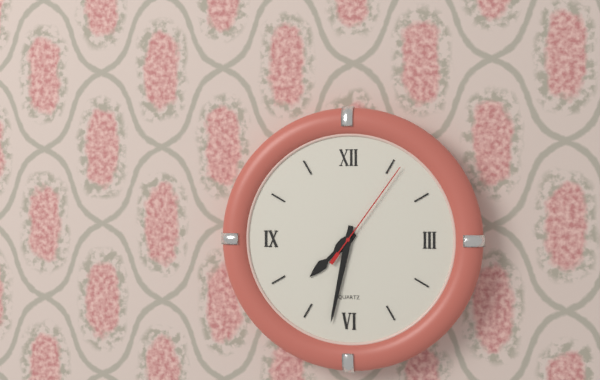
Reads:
h=7 m=32 s=6
